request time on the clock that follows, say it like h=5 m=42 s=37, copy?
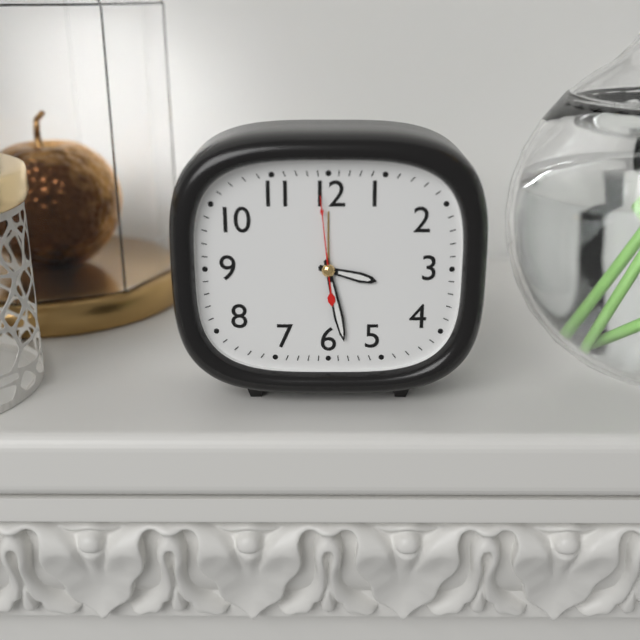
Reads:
h=3 m=28 s=59
